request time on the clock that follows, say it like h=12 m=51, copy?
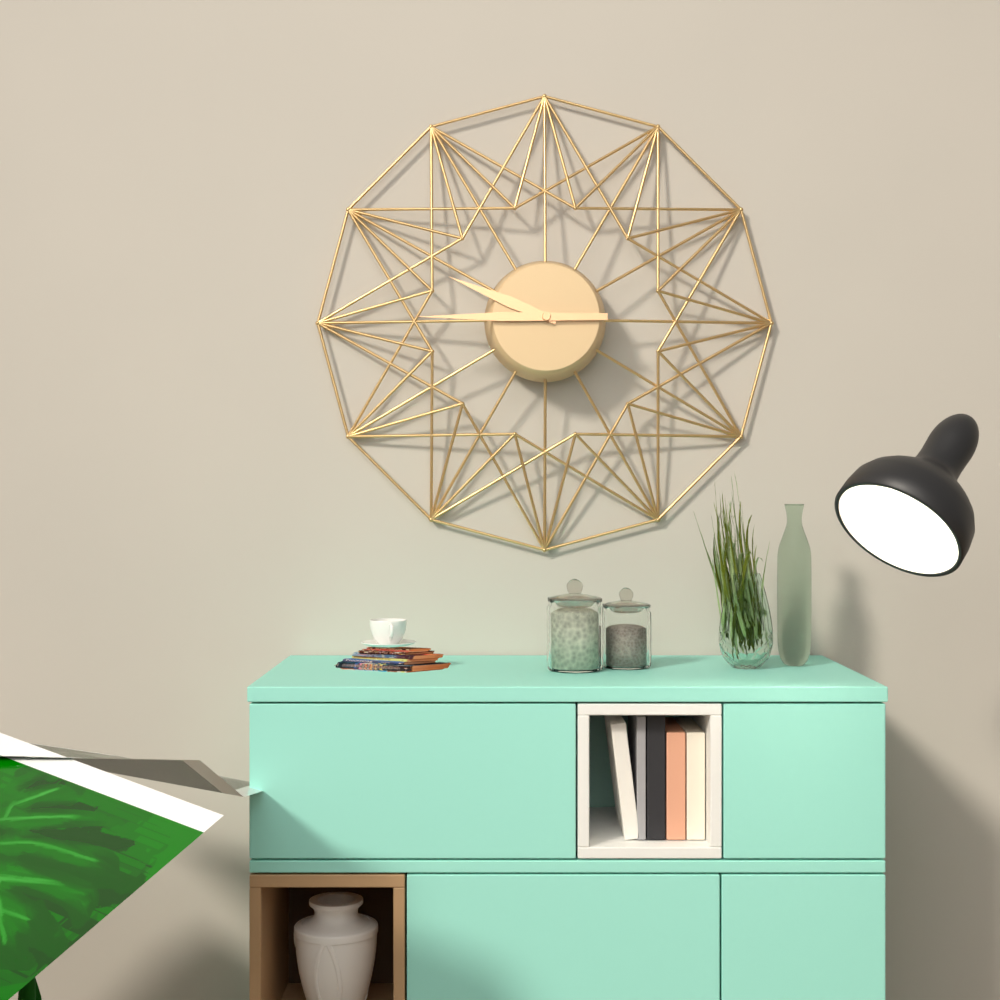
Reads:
h=9 m=45
